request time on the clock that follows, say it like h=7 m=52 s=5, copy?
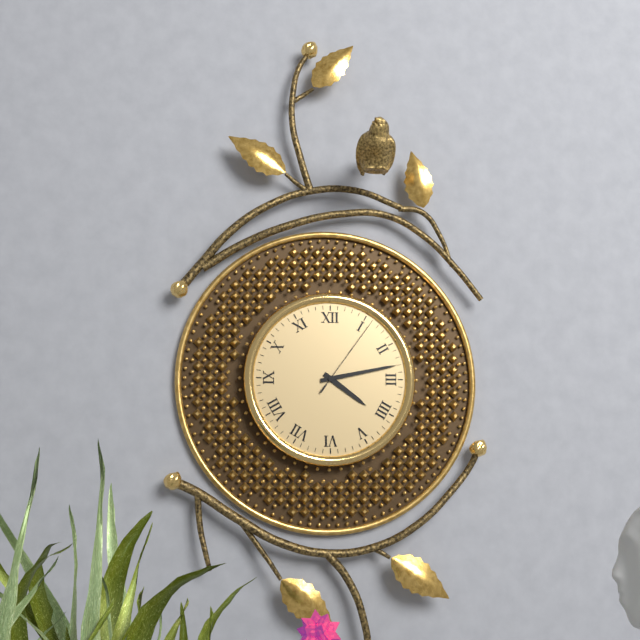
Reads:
h=4 m=13 s=6
